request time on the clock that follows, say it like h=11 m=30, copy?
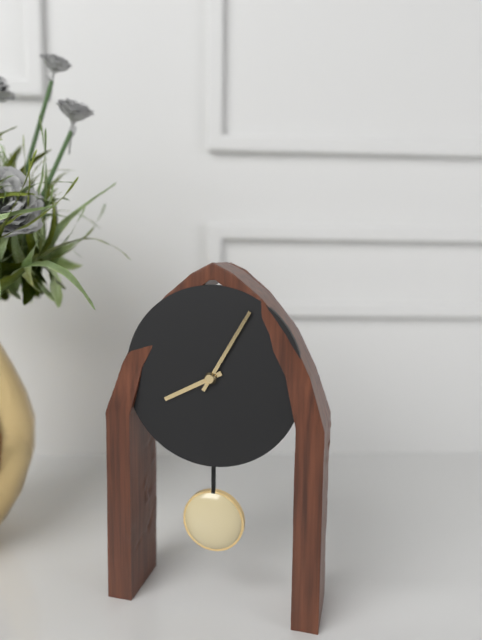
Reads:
h=8 m=5
